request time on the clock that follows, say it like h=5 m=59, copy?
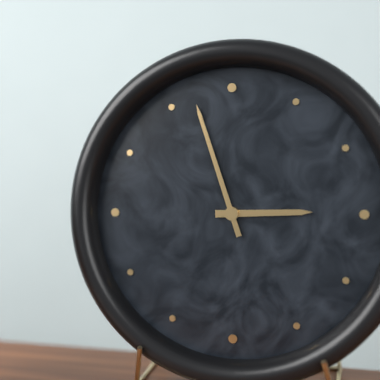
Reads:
h=2 m=57
